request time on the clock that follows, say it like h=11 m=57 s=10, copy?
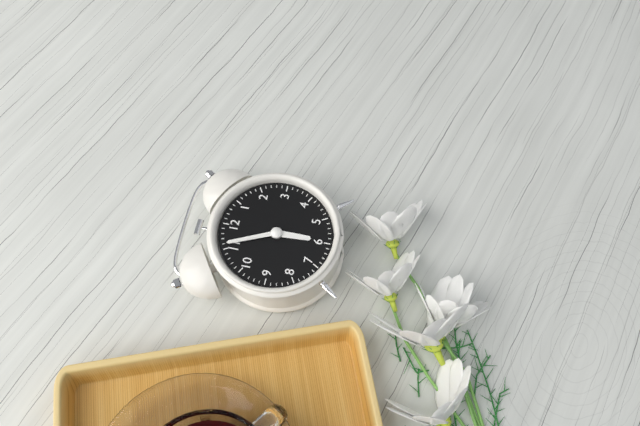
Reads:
h=5 m=56 s=56
